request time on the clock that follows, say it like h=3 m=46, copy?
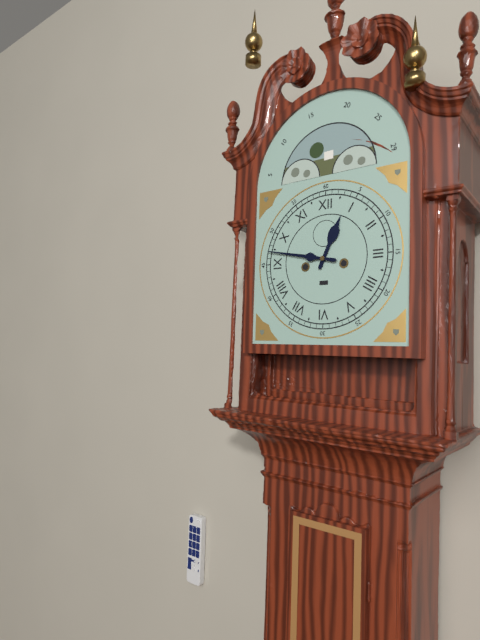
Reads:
h=12 m=47
